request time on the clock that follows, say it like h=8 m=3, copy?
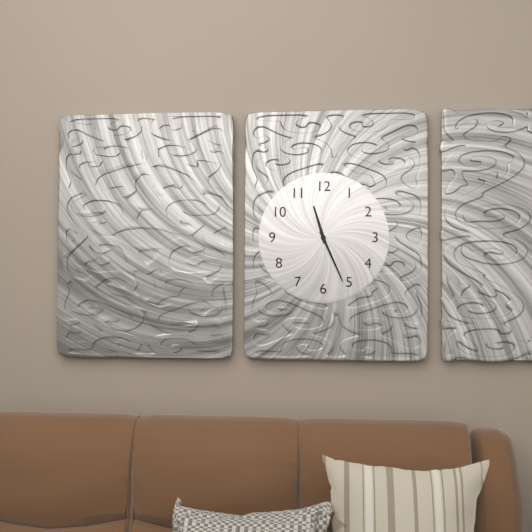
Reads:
h=11 m=26
